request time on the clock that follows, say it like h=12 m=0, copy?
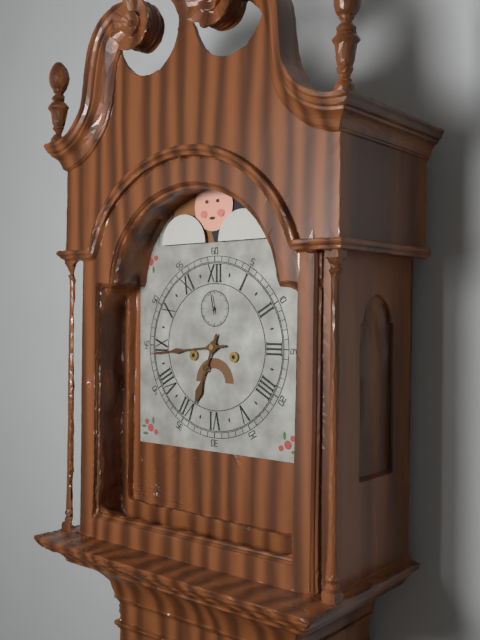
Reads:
h=6 m=44
